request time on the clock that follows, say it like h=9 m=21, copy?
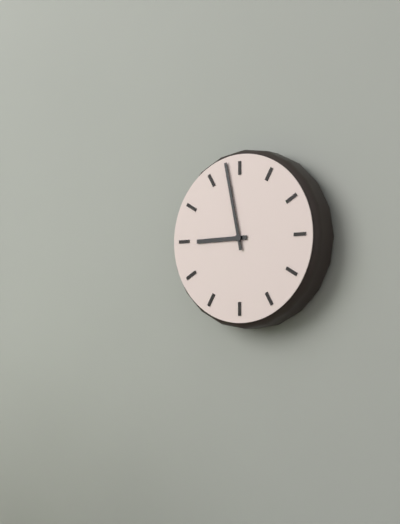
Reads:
h=8 m=58
